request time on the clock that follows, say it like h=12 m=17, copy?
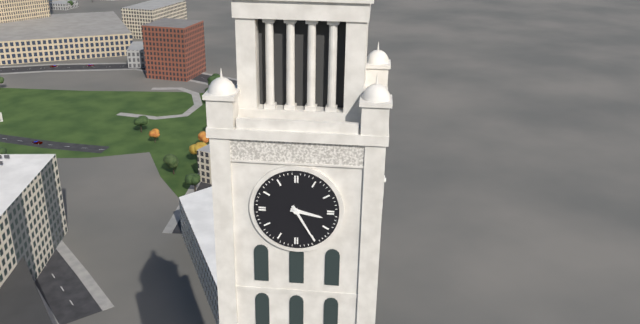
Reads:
h=3 m=25
